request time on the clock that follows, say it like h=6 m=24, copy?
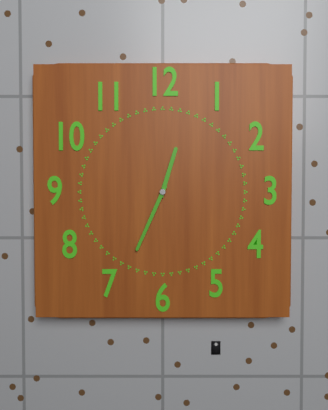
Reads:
h=12 m=34
